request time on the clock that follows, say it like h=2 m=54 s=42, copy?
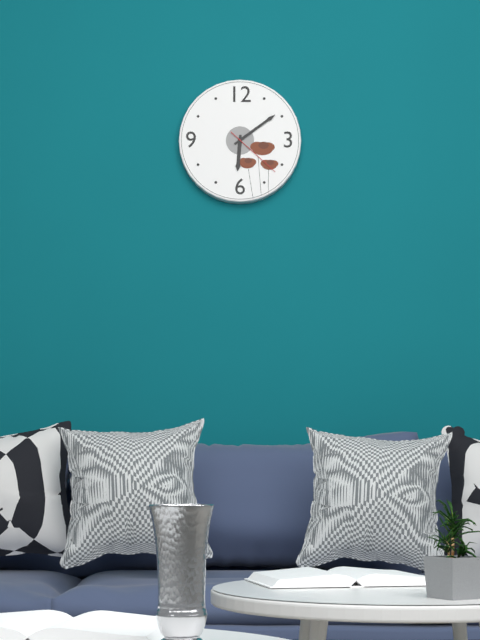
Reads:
h=6 m=9 s=22
